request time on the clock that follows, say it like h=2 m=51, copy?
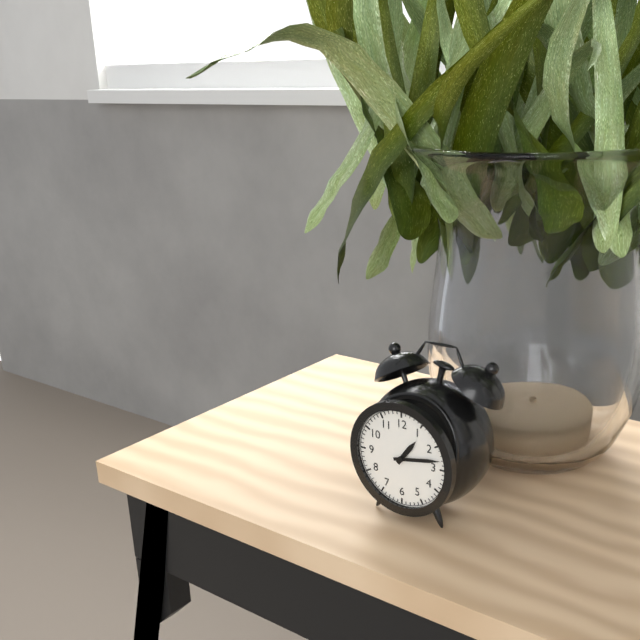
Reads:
h=1 m=13
